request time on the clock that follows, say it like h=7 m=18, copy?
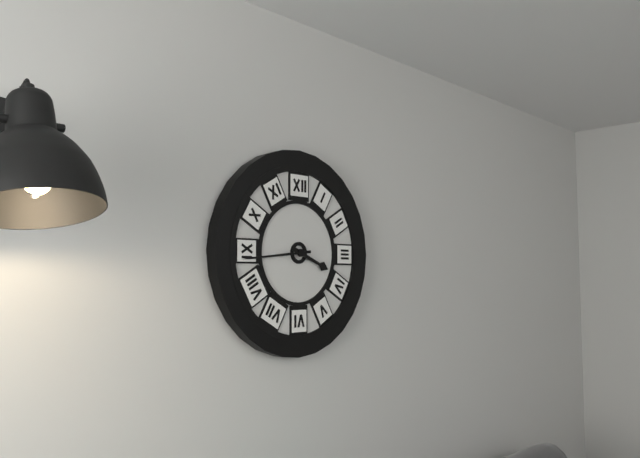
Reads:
h=3 m=44
